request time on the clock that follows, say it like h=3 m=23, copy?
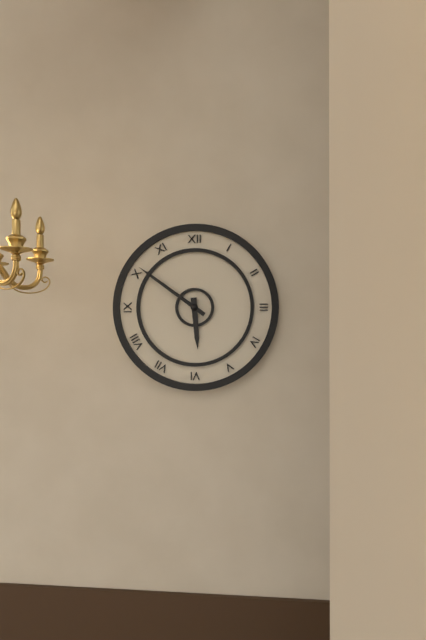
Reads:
h=5 m=51
